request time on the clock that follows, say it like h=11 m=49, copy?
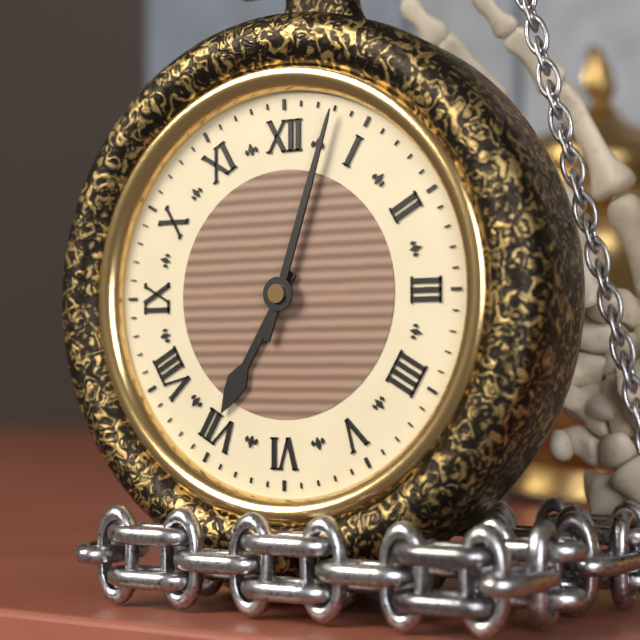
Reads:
h=7 m=3
